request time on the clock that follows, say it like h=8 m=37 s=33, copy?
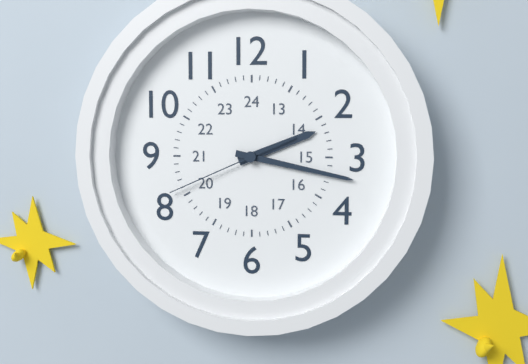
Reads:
h=2 m=17 s=41
